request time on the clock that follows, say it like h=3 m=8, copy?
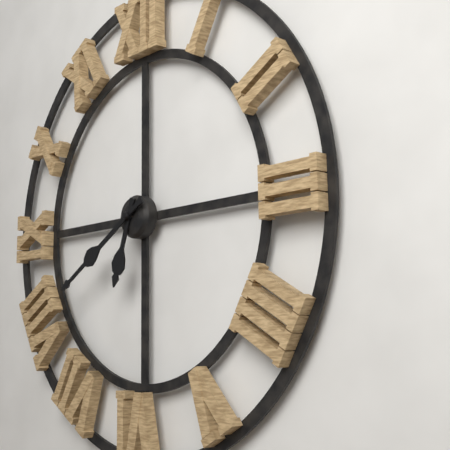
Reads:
h=6 m=40
